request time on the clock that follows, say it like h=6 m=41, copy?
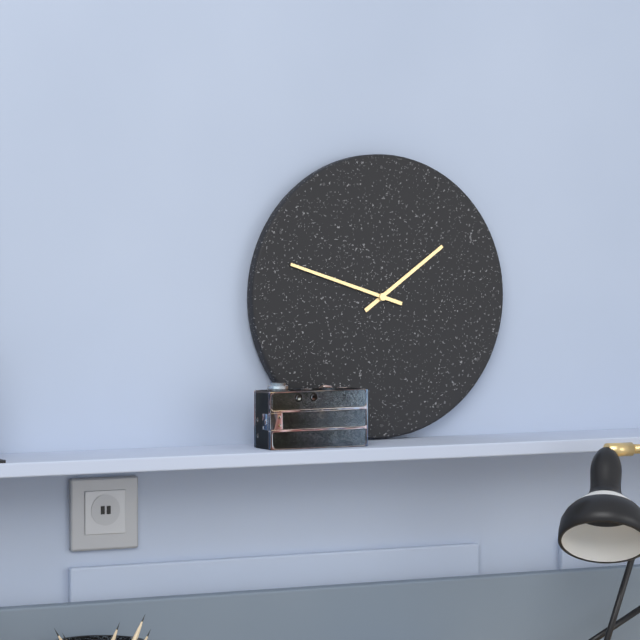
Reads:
h=1 m=48
